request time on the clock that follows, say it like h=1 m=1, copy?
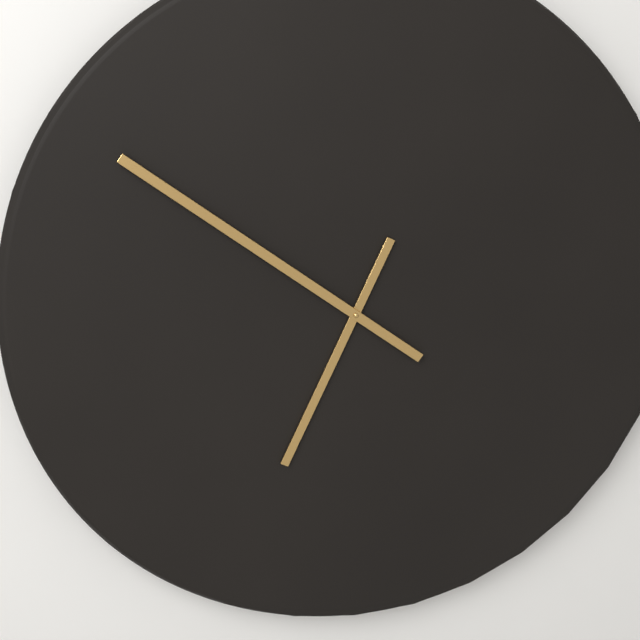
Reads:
h=6 m=51
